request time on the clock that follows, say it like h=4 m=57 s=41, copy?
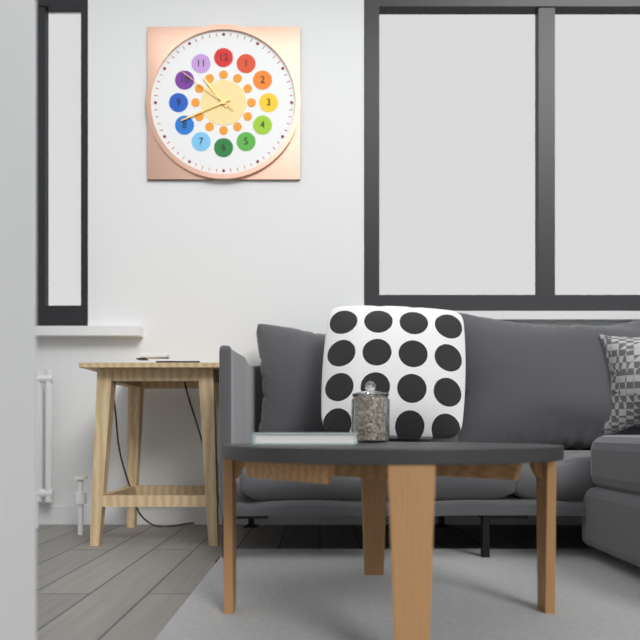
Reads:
h=10 m=41 s=51
